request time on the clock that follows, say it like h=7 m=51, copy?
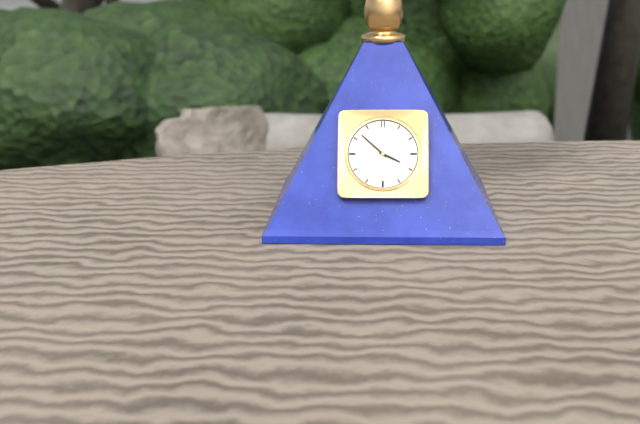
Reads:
h=3 m=52
